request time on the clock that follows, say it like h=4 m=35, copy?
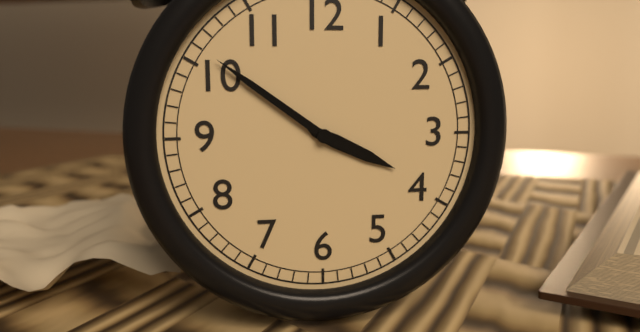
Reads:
h=3 m=51
